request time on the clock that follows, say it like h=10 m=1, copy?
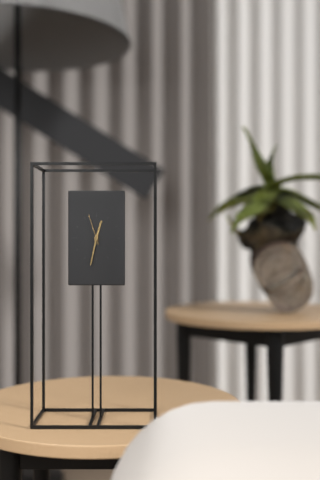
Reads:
h=12 m=32
